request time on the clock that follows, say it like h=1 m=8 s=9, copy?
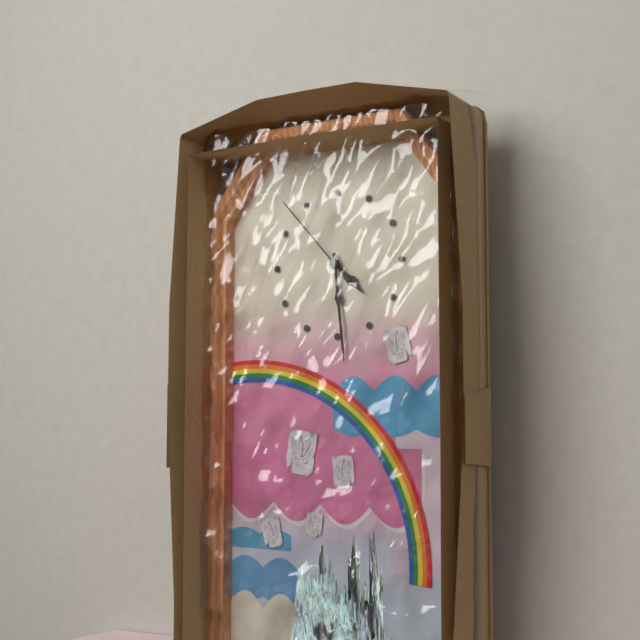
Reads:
h=4 m=29 s=53
